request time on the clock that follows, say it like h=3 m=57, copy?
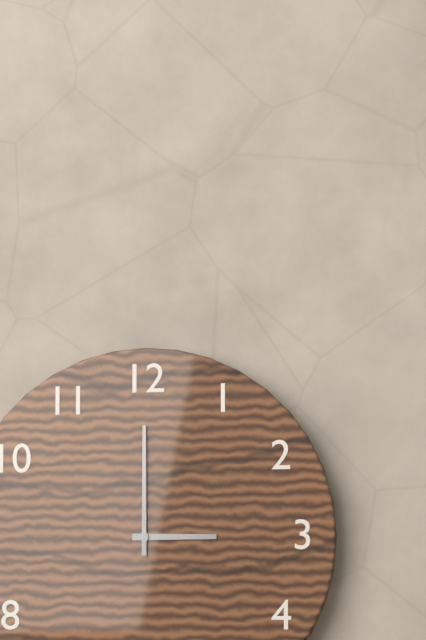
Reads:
h=3 m=0
